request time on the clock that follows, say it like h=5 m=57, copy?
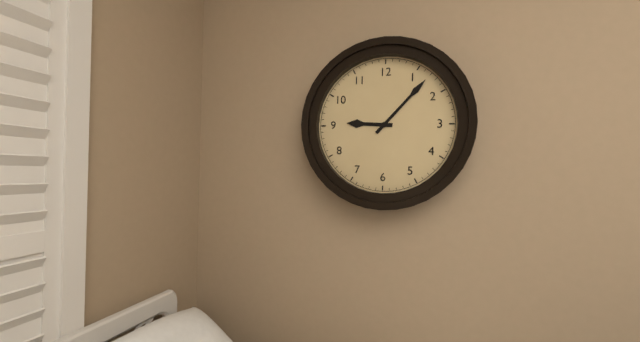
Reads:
h=9 m=7
